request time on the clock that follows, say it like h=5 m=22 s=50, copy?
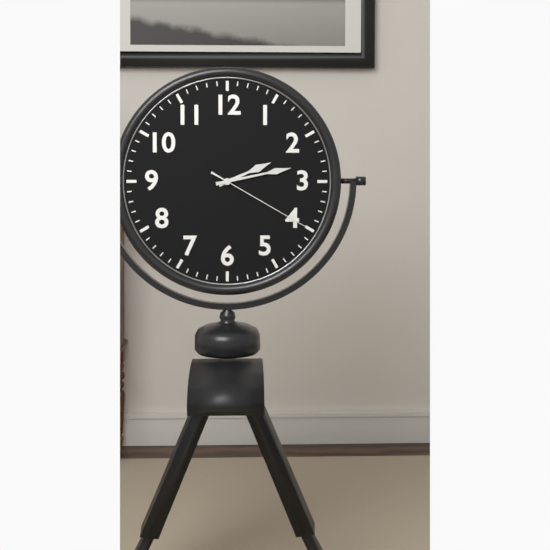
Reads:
h=2 m=13 s=20
